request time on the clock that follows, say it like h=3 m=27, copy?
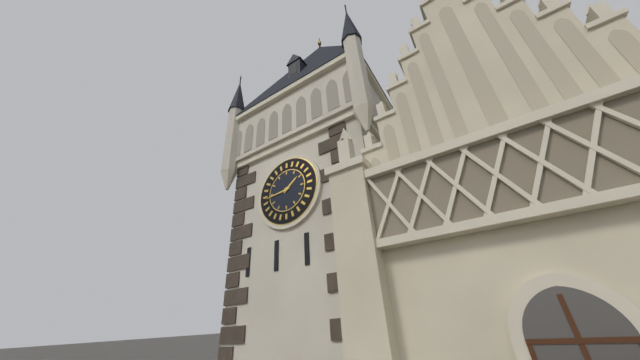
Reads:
h=1 m=44
